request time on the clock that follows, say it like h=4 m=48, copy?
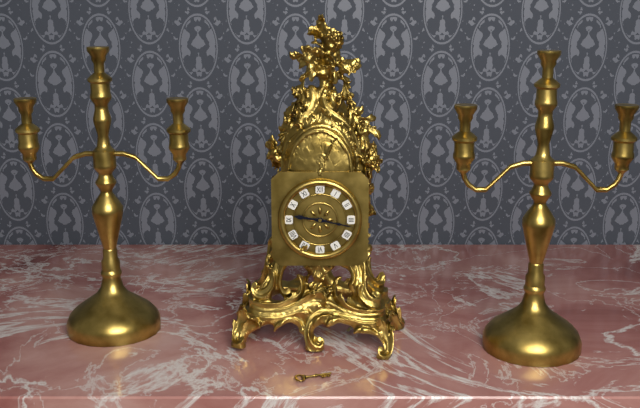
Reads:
h=9 m=17
